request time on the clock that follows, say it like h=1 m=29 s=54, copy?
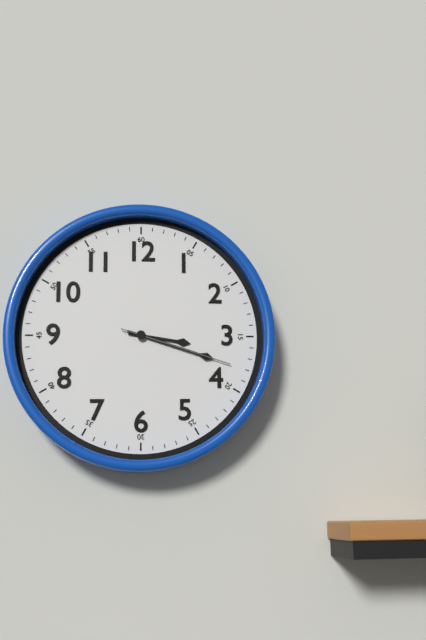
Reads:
h=3 m=18 s=18
